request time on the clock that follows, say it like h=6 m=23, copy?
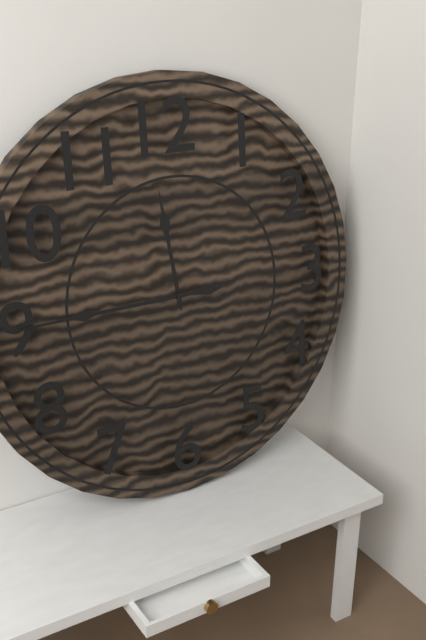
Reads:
h=11 m=45
